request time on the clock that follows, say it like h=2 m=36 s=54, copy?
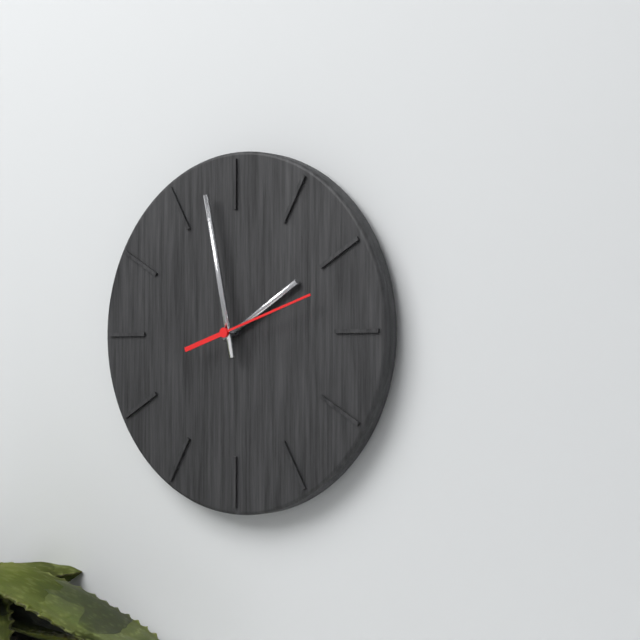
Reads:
h=1 m=58 s=12
